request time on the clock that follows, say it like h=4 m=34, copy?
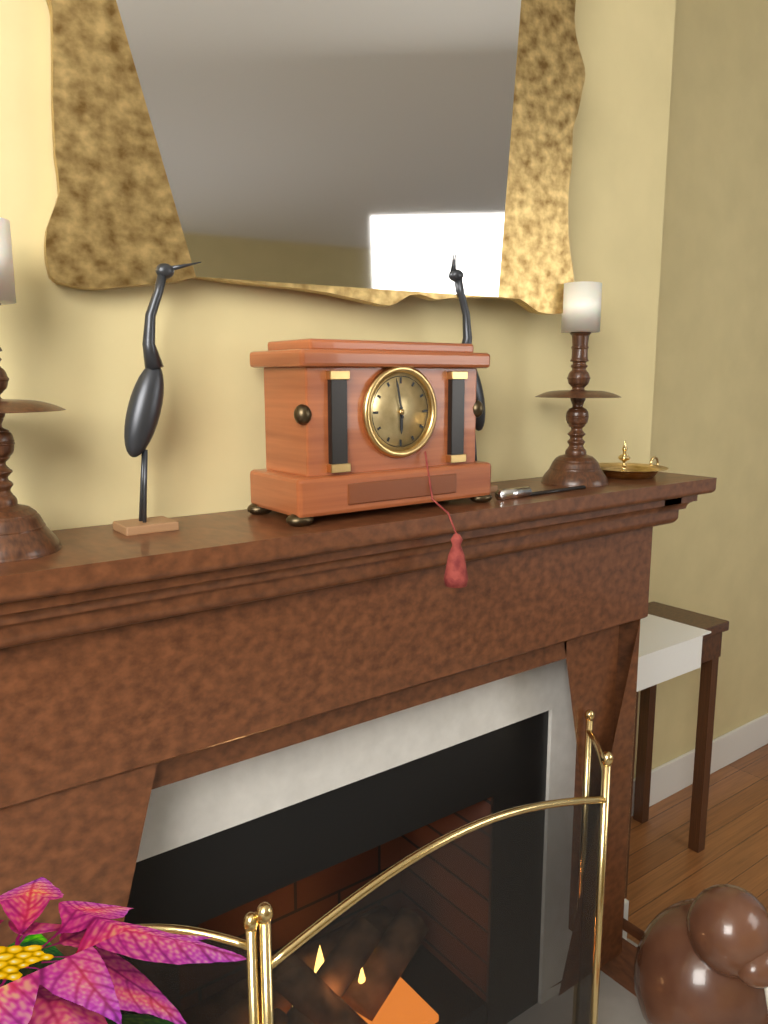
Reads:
h=5 m=58
